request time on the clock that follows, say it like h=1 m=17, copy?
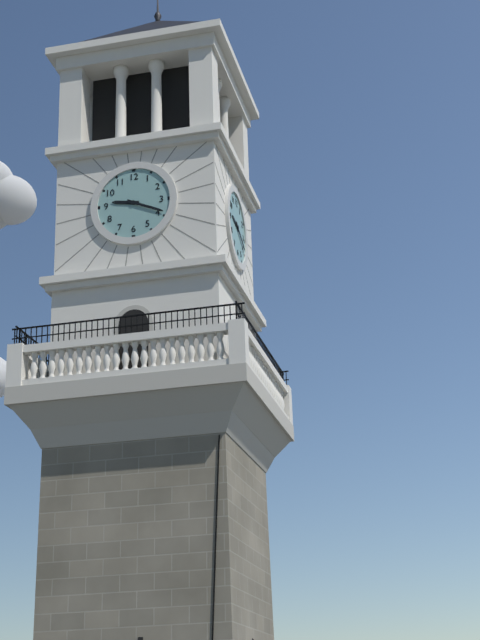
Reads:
h=9 m=19
